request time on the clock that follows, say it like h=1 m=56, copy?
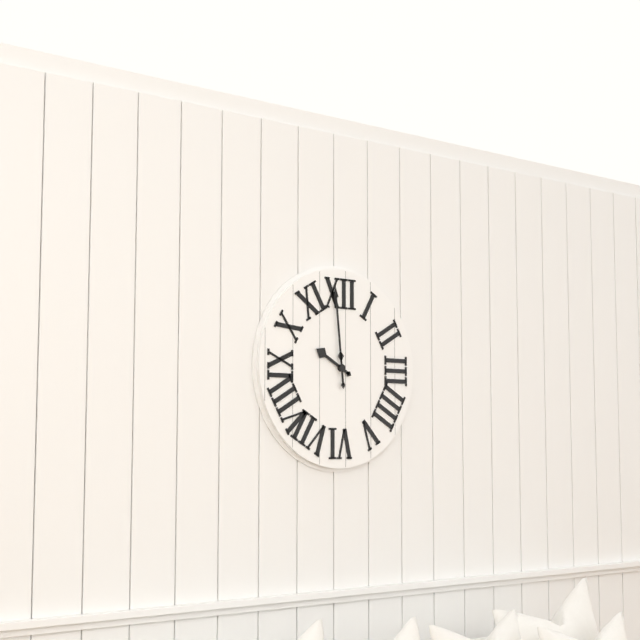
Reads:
h=9 m=59
